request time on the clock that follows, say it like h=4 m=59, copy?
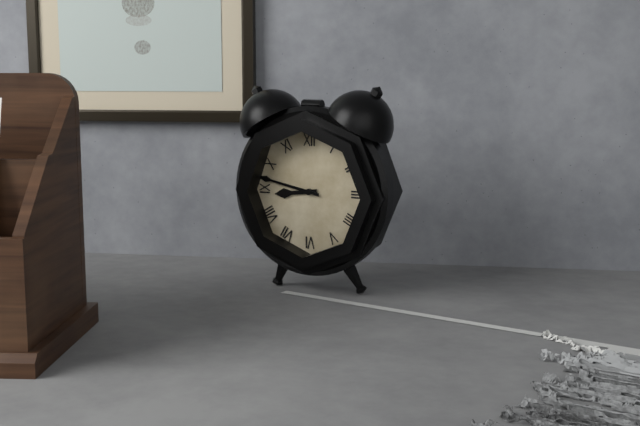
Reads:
h=8 m=47
